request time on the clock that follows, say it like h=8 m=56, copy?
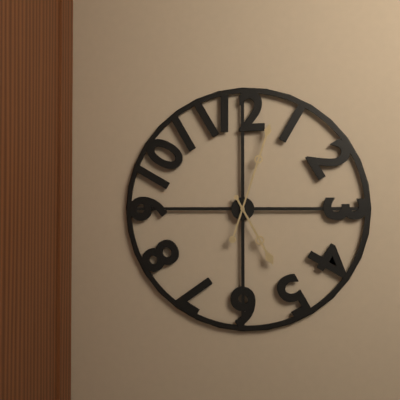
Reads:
h=5 m=3
